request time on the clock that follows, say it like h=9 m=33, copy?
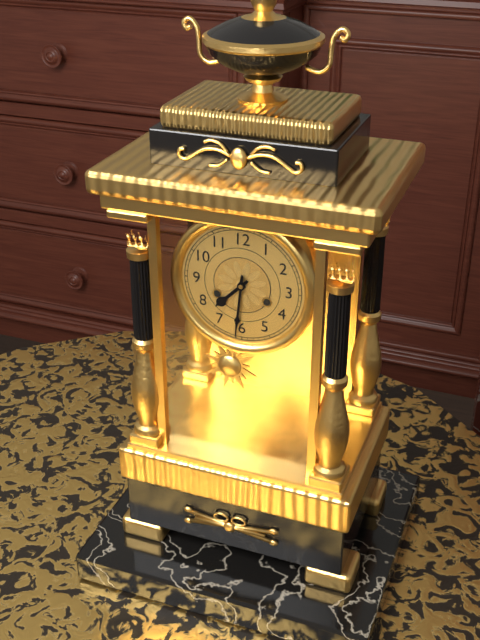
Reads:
h=7 m=31
